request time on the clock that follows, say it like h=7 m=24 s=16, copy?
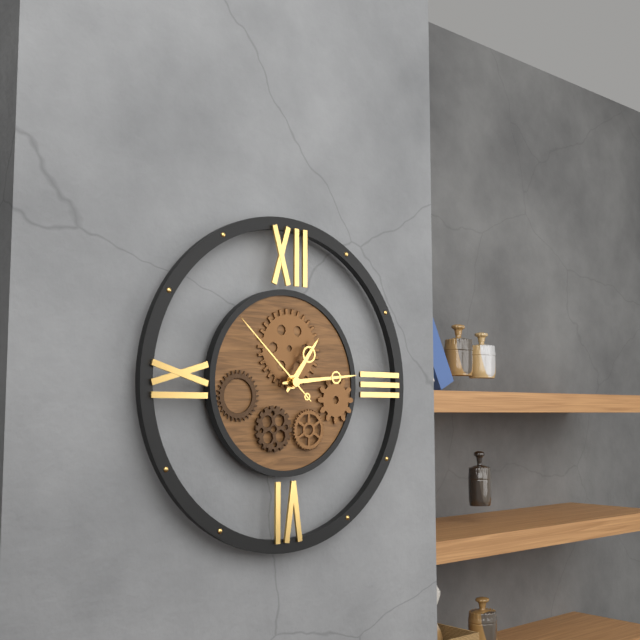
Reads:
h=1 m=14 s=52
